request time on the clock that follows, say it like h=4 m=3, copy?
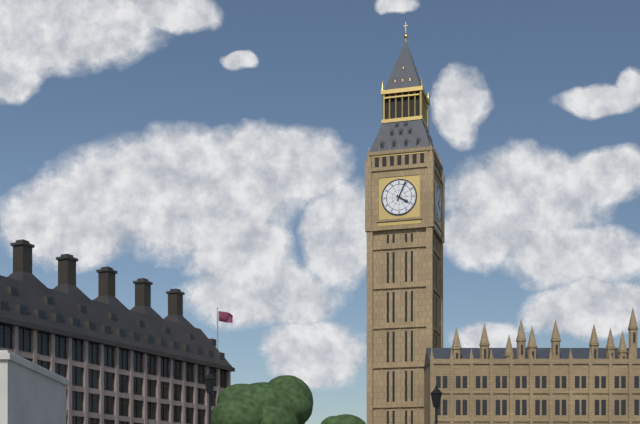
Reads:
h=4 m=4
